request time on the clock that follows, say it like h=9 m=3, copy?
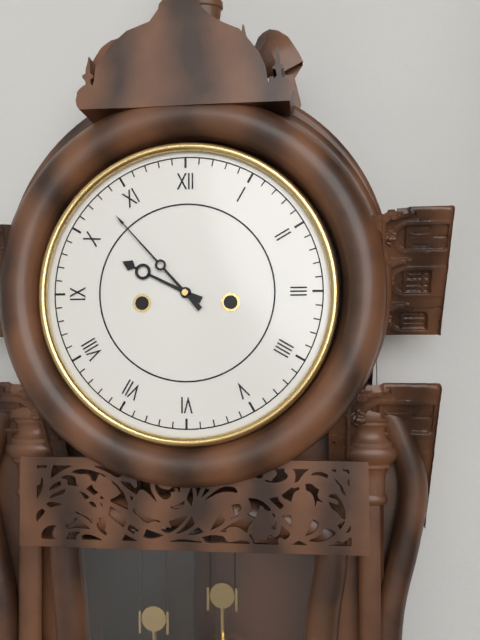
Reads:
h=9 m=53
